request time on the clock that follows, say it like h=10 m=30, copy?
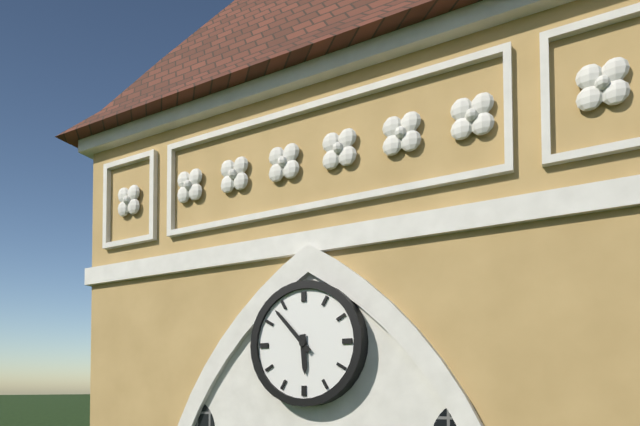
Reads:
h=5 m=53
